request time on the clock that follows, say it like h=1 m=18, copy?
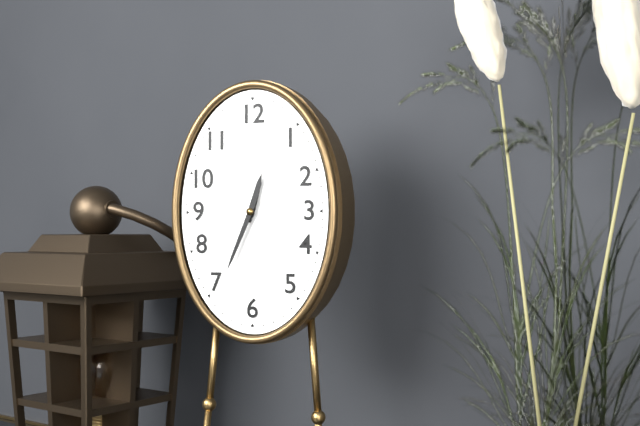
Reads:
h=12 m=34
